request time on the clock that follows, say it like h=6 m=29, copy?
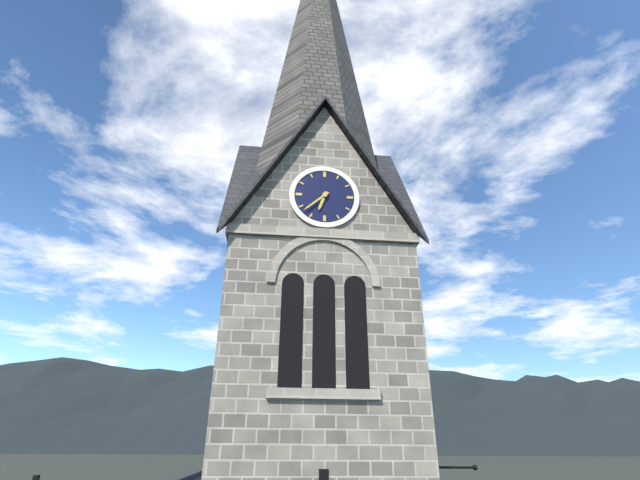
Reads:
h=6 m=38
